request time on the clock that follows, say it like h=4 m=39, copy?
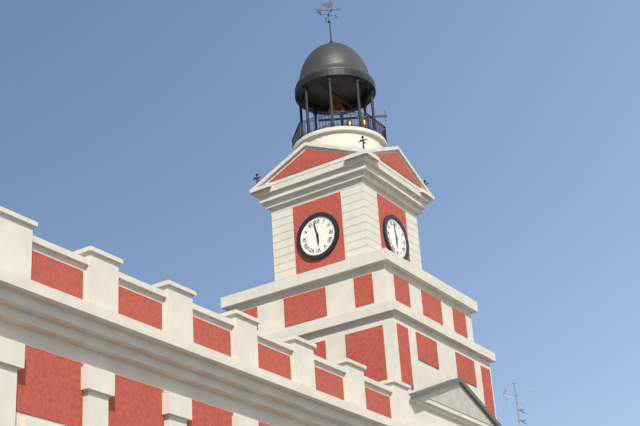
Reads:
h=5 m=58
